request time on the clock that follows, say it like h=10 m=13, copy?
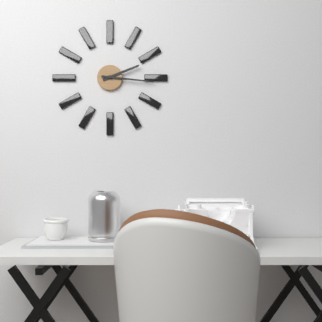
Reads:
h=2 m=16
